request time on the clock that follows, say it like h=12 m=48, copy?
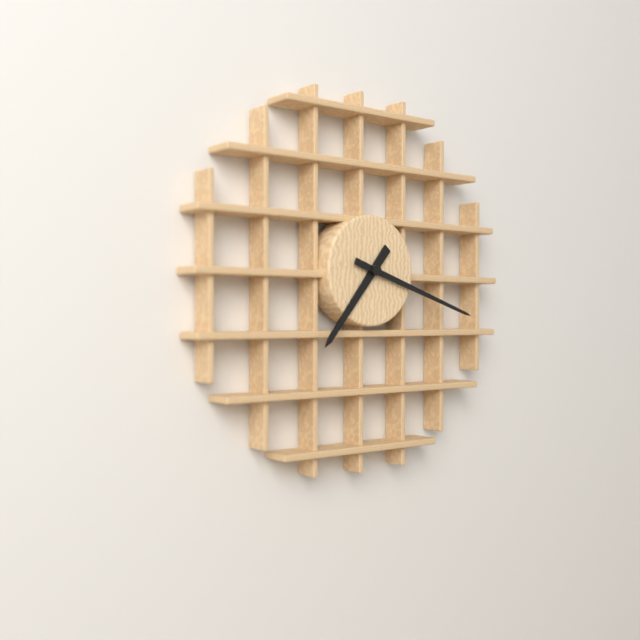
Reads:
h=7 m=18
